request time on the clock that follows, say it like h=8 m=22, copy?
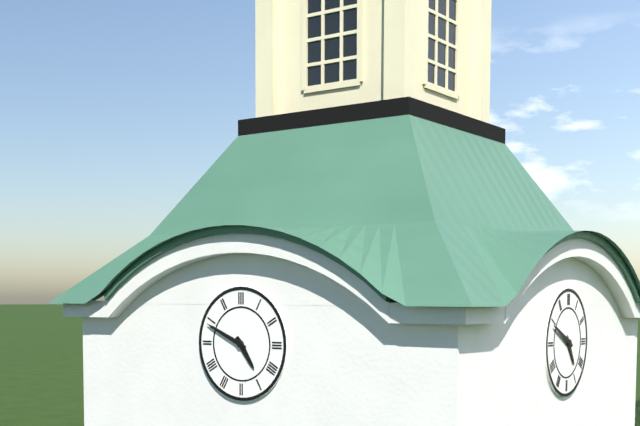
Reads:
h=4 m=49
